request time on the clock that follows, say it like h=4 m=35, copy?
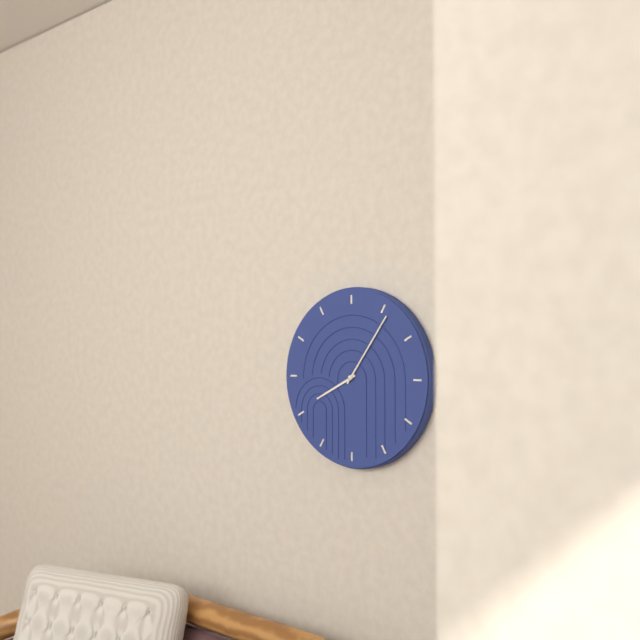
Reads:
h=8 m=6
